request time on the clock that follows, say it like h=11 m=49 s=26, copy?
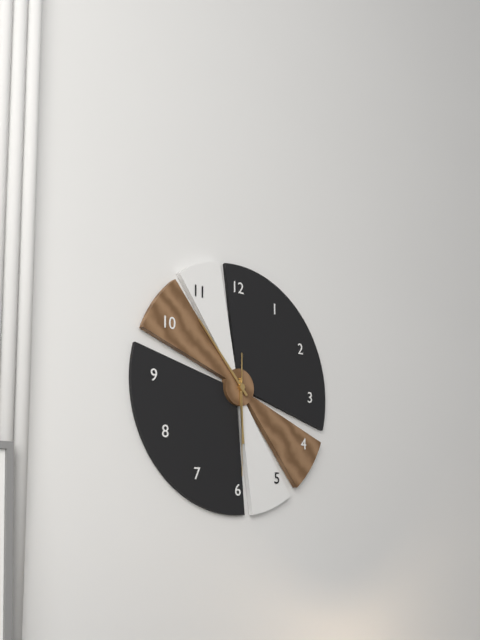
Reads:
h=5 m=53 s=30
